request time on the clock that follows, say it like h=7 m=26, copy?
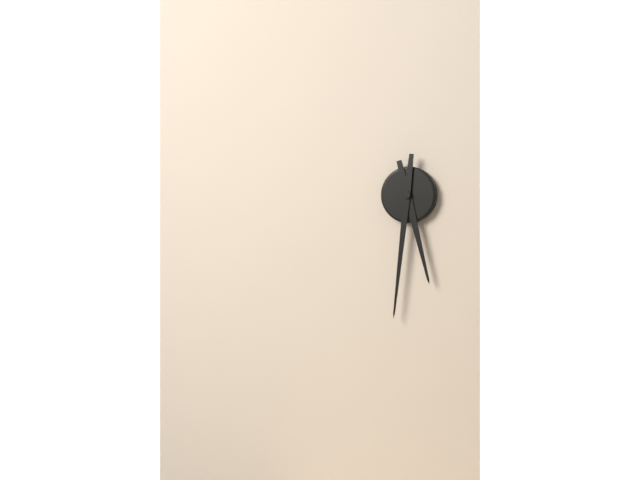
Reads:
h=5 m=31
